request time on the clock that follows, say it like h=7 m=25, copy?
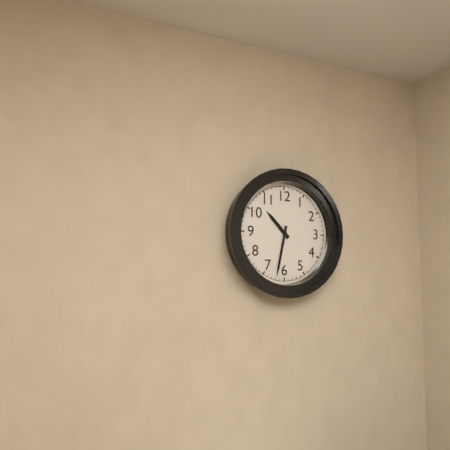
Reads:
h=10 m=32
